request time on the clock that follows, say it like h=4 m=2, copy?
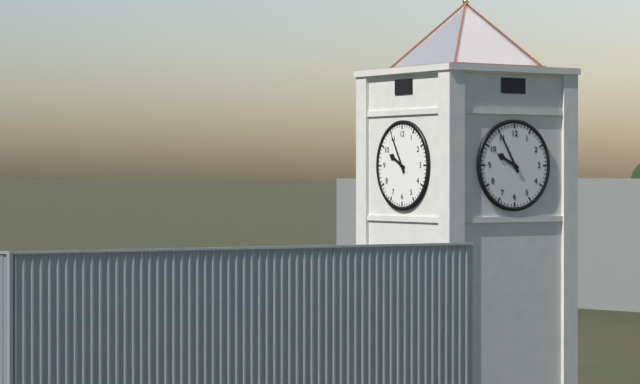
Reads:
h=9 m=55
